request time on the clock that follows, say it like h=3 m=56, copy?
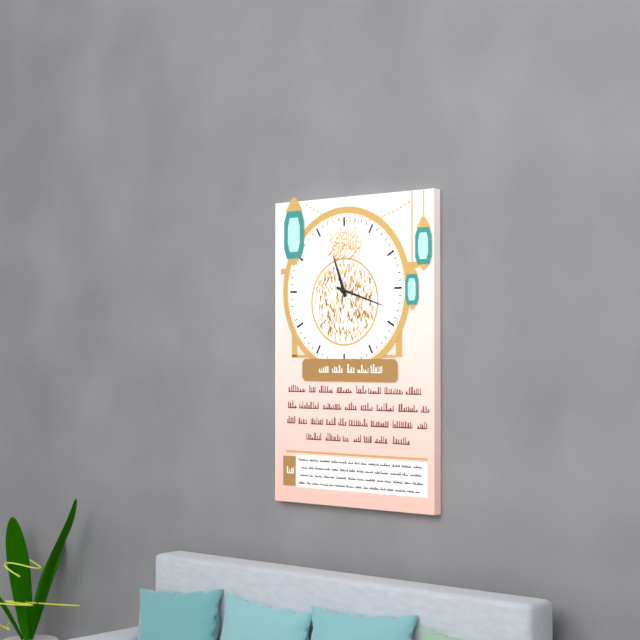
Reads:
h=11 m=18
